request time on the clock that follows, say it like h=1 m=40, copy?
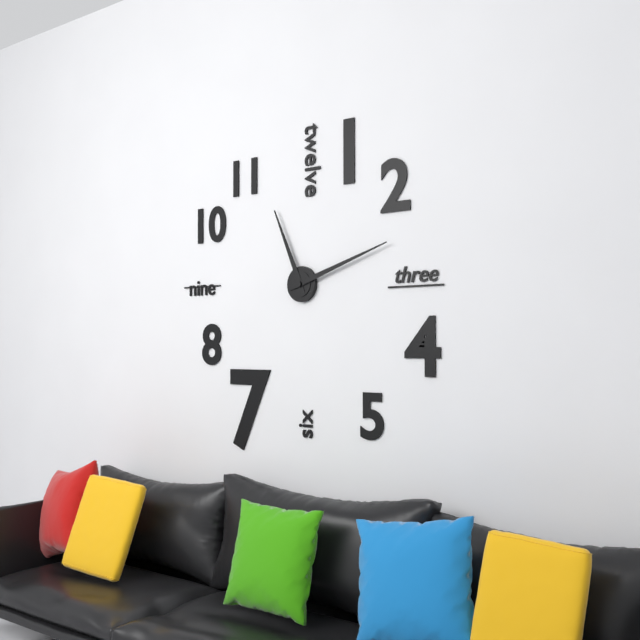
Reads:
h=11 m=12
